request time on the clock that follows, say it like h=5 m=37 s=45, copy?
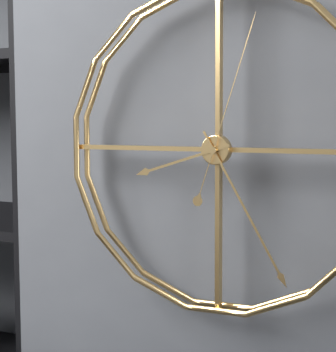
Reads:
h=8 m=25 s=3
